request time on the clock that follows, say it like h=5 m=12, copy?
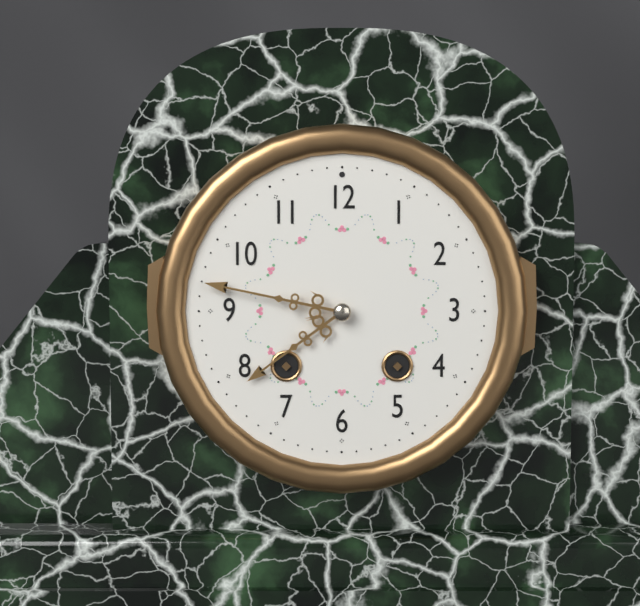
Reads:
h=7 m=47
